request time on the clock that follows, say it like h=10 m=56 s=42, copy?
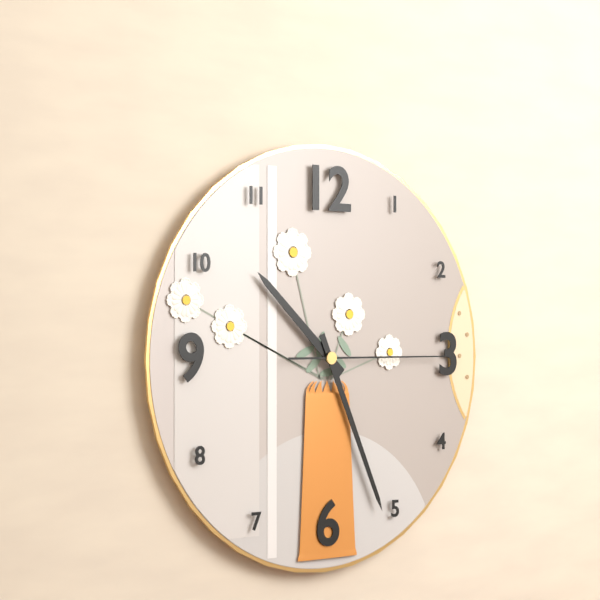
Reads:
h=10 m=26 s=15
